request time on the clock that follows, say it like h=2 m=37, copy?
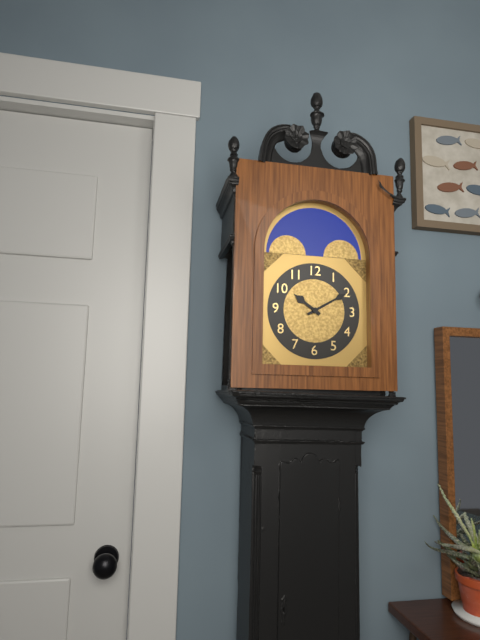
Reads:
h=10 m=10
